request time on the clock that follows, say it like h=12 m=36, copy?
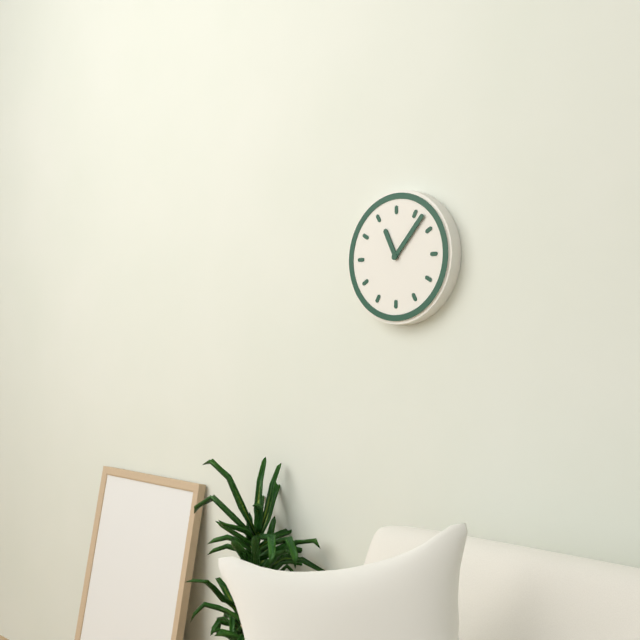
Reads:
h=11 m=7
